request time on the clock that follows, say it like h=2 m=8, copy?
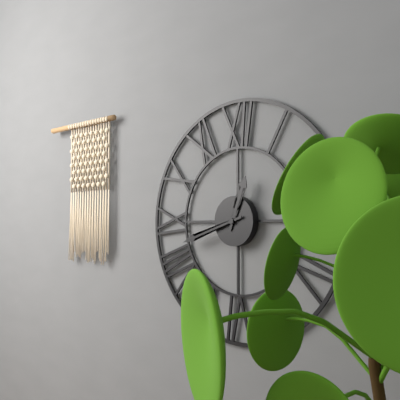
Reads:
h=12 m=42
